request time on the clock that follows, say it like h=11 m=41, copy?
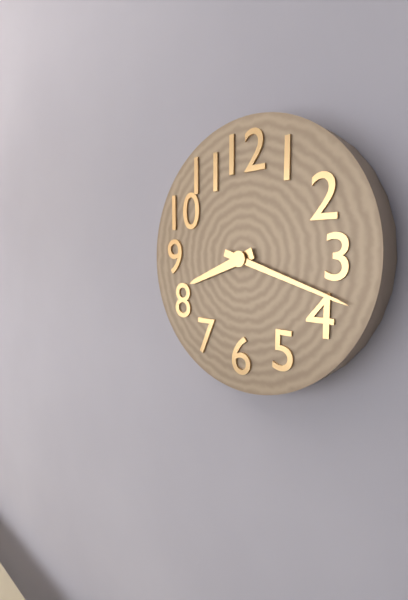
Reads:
h=8 m=18
